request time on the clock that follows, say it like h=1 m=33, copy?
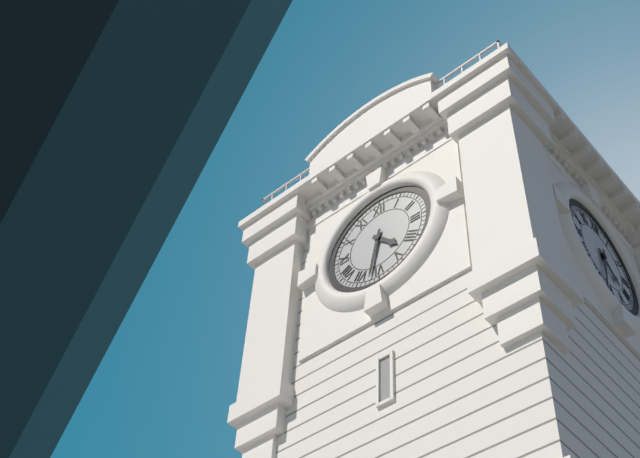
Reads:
h=4 m=32
